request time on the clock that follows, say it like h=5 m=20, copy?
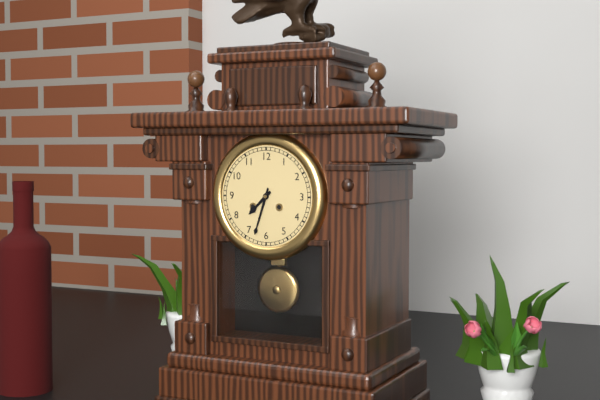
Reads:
h=7 m=33
